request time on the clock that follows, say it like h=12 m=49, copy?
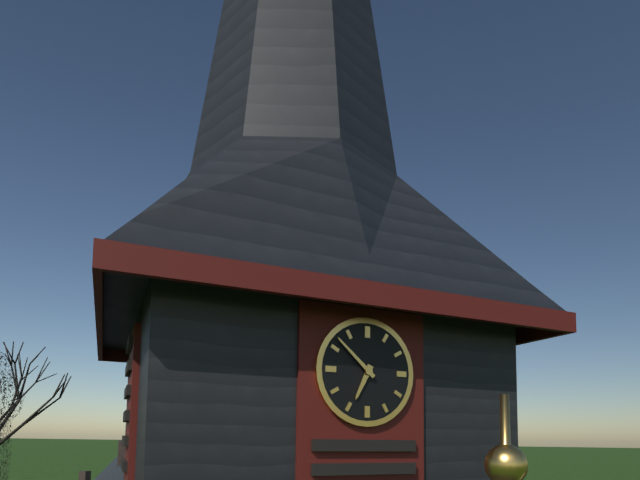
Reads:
h=6 m=52
